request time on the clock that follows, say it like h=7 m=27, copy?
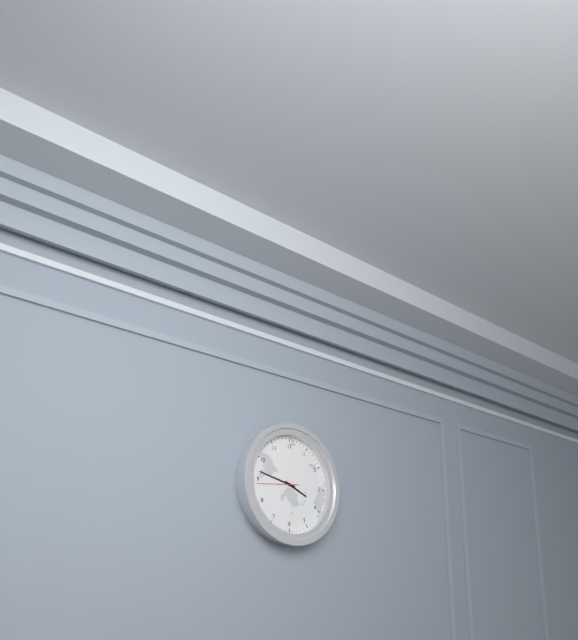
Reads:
h=3 m=47
